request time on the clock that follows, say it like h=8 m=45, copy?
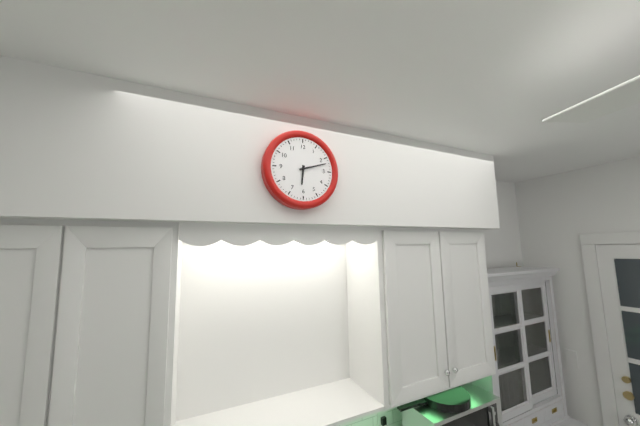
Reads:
h=6 m=12
